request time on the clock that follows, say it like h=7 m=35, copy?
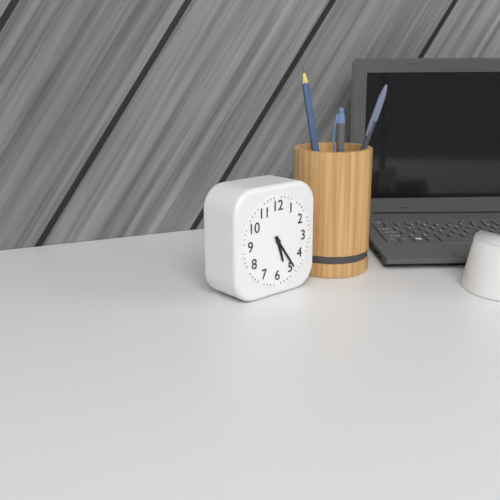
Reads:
h=5 m=24
